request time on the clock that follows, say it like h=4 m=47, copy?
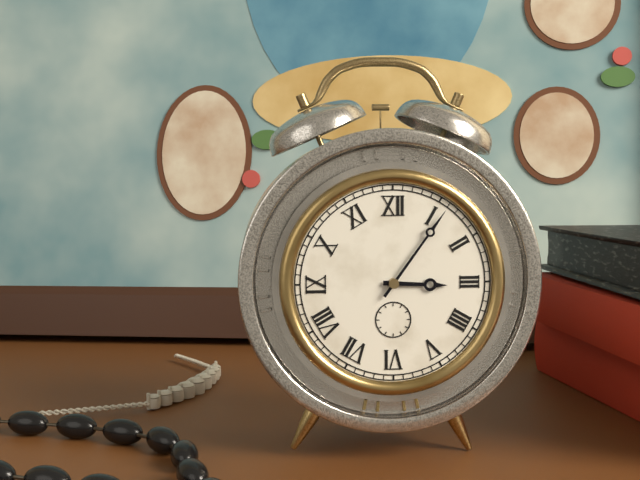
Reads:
h=3 m=6
